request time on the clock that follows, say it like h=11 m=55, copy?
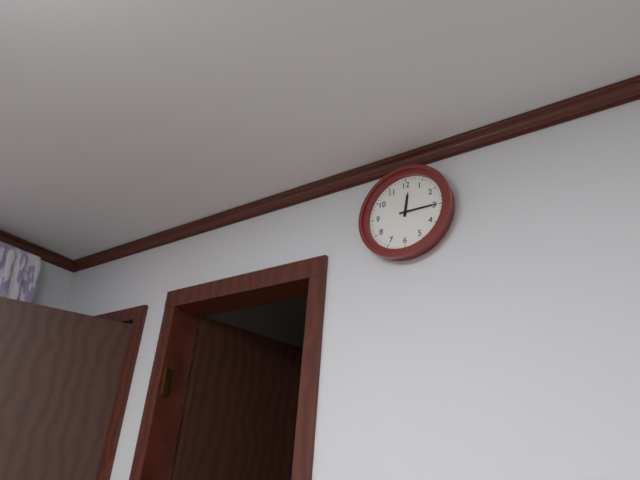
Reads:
h=12 m=15
